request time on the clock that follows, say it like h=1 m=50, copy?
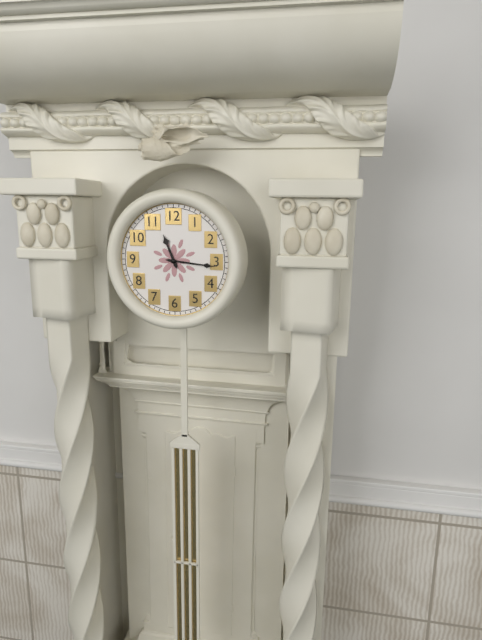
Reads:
h=11 m=16
